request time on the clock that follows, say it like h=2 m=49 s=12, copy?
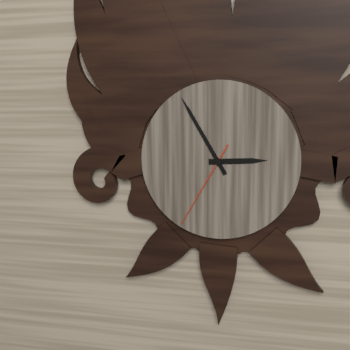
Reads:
h=2 m=55 s=35
